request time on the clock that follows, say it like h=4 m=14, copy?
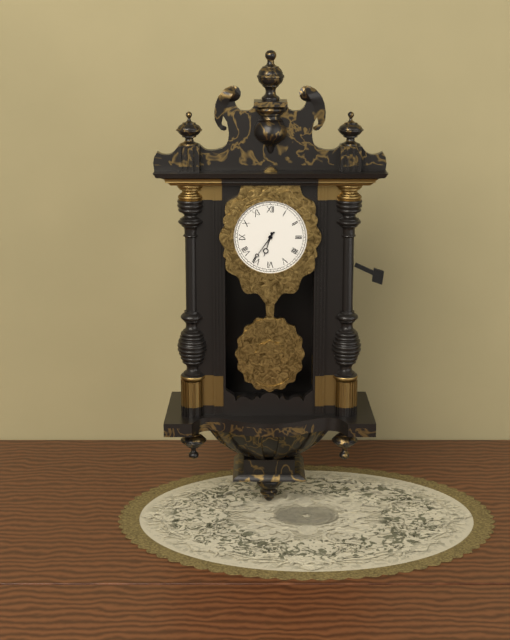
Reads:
h=6 m=36
